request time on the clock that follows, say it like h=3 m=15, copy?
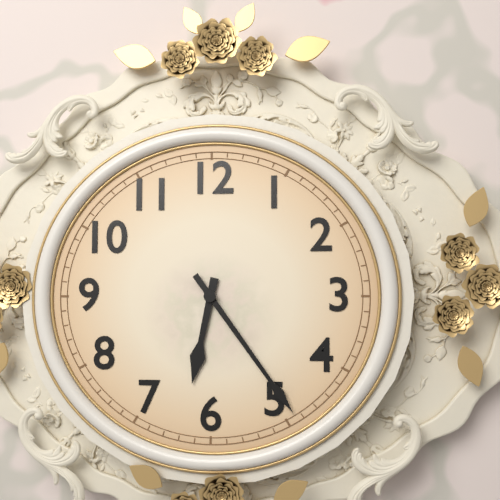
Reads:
h=6 m=24
